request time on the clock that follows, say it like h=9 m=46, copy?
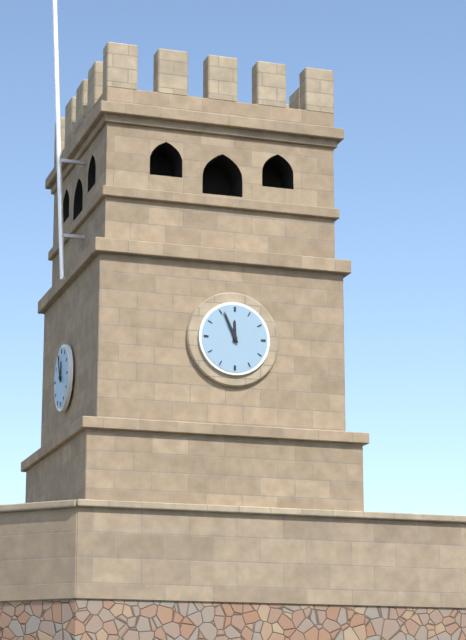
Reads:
h=11 m=56
